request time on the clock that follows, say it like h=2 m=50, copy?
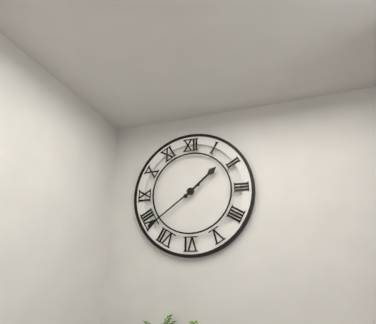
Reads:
h=1 m=39
